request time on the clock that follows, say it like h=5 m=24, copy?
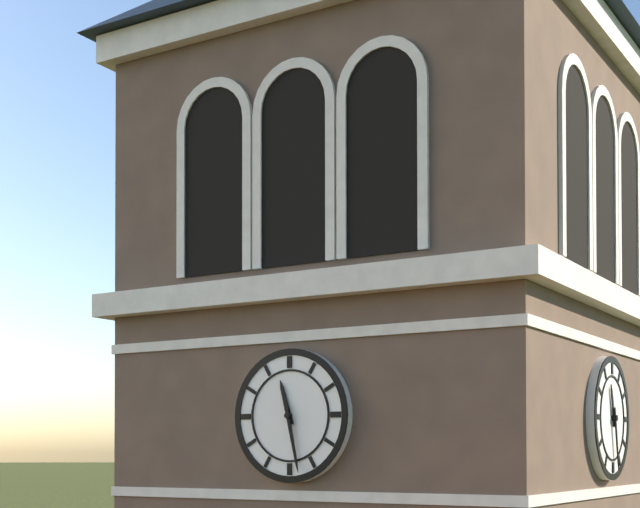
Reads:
h=11 m=28
